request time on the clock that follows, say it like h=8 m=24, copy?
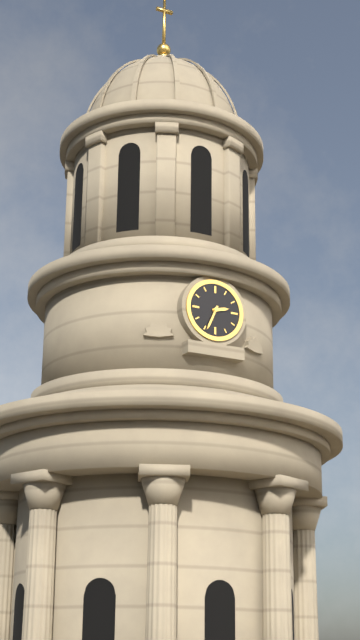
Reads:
h=2 m=34
